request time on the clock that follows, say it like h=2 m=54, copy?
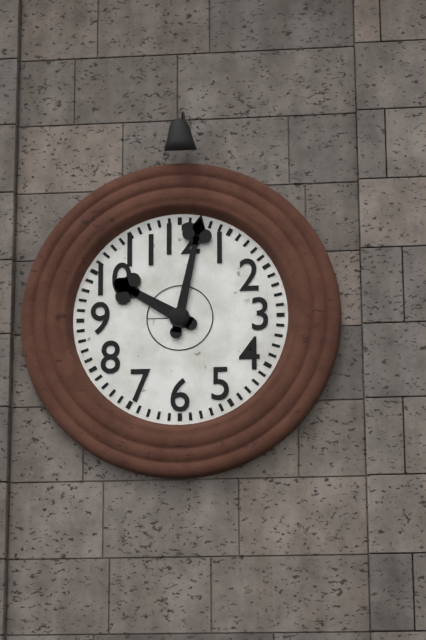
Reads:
h=10 m=2
